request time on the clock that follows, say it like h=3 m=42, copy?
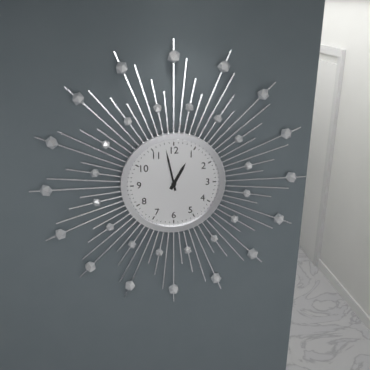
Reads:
h=12 m=58
